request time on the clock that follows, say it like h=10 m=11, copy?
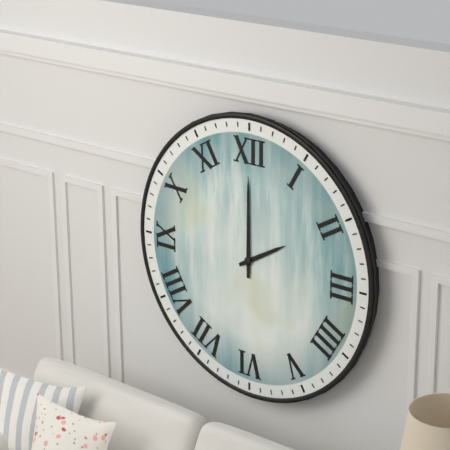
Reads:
h=2 m=0
